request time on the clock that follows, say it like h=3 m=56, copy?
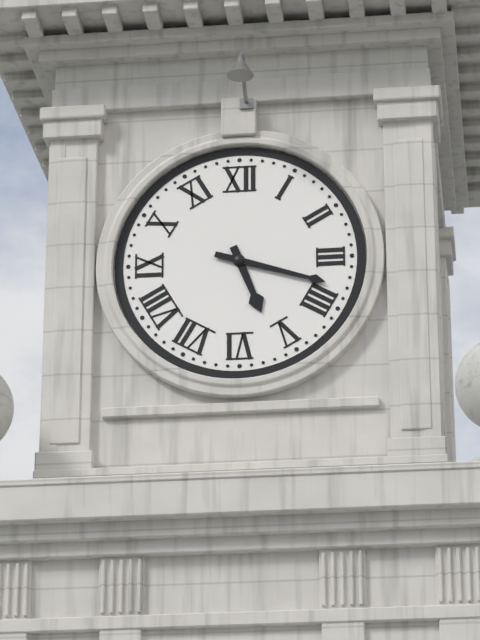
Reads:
h=5 m=18
